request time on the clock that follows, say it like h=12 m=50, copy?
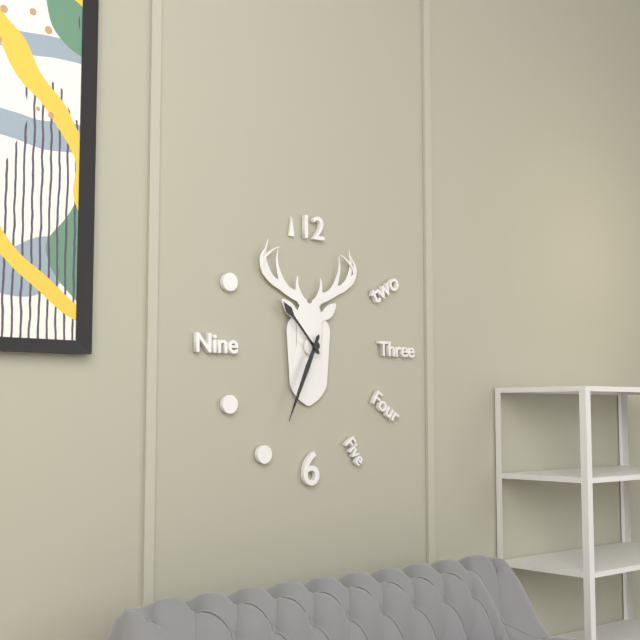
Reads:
h=10 m=34
